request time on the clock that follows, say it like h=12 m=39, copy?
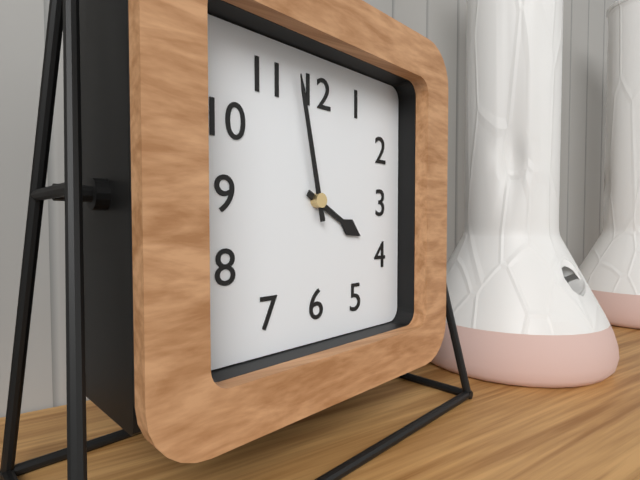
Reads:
h=3 m=58
